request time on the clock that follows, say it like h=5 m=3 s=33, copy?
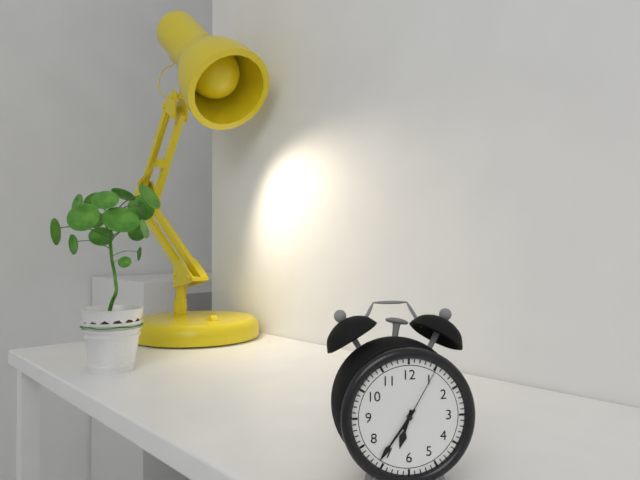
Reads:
h=6 m=36 s=5
